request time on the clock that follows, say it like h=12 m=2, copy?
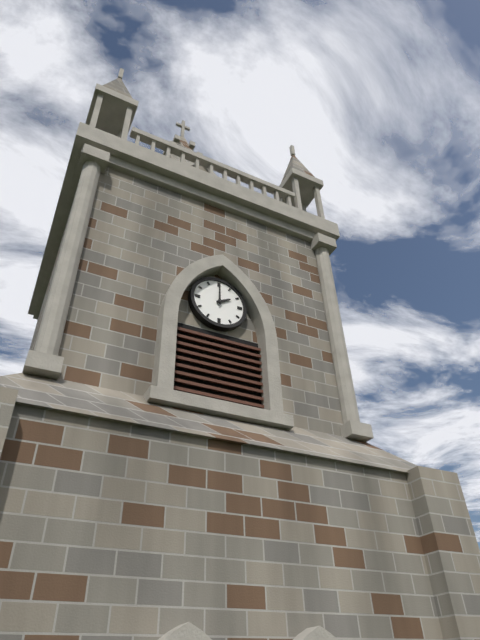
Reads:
h=2 m=0
